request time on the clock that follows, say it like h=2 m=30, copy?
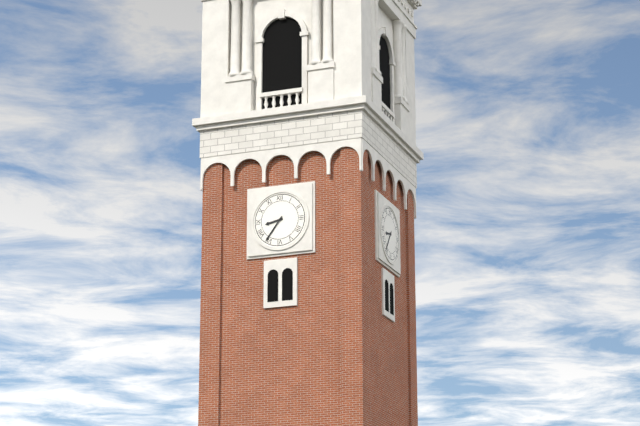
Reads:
h=8 m=36
